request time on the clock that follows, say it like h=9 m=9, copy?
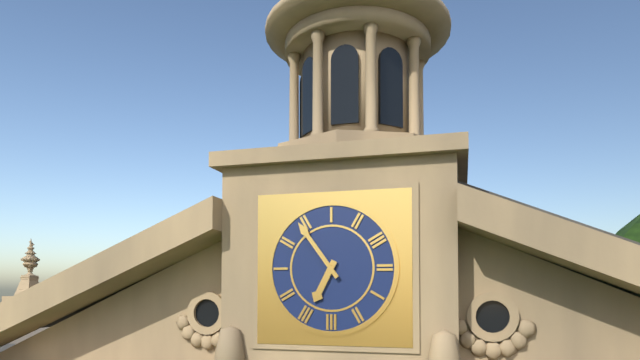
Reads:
h=6 m=54
